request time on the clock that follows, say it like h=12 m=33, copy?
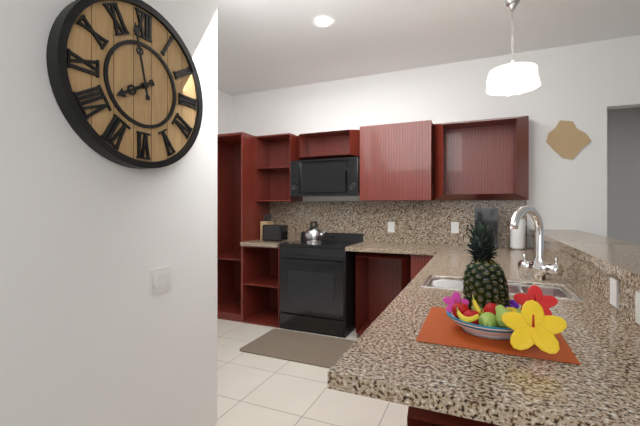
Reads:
h=7 m=58
